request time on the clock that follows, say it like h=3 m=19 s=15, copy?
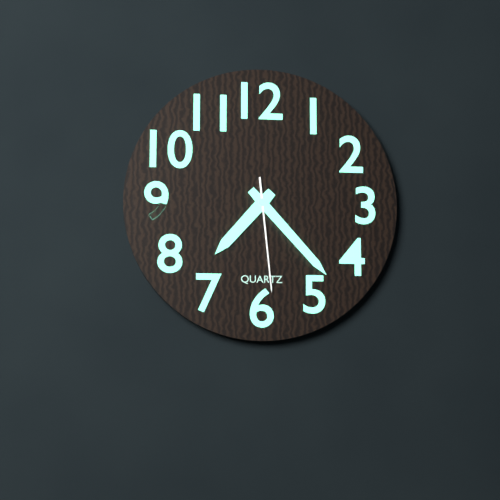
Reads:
h=7 m=23 s=29
